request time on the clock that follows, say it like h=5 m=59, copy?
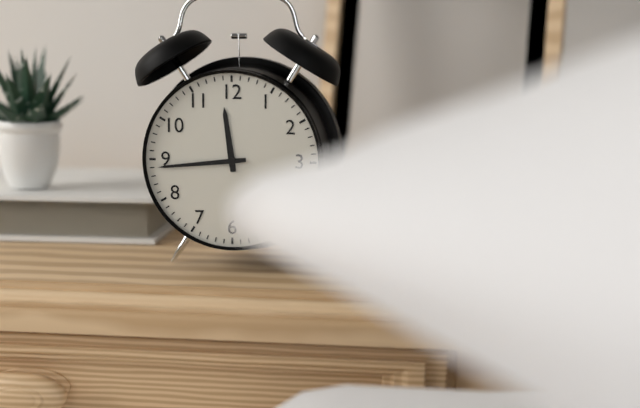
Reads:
h=11 m=44
